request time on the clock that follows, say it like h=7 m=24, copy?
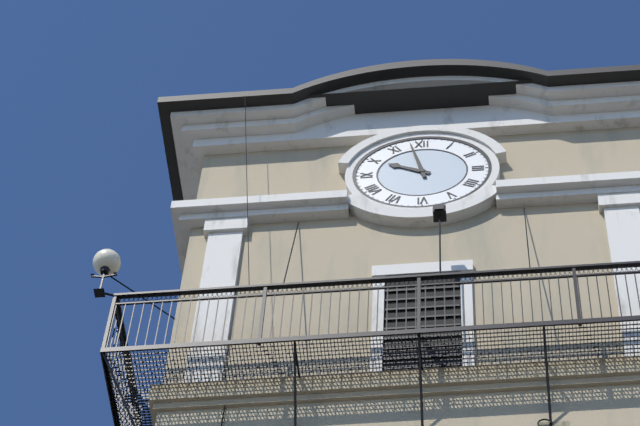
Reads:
h=9 m=58
